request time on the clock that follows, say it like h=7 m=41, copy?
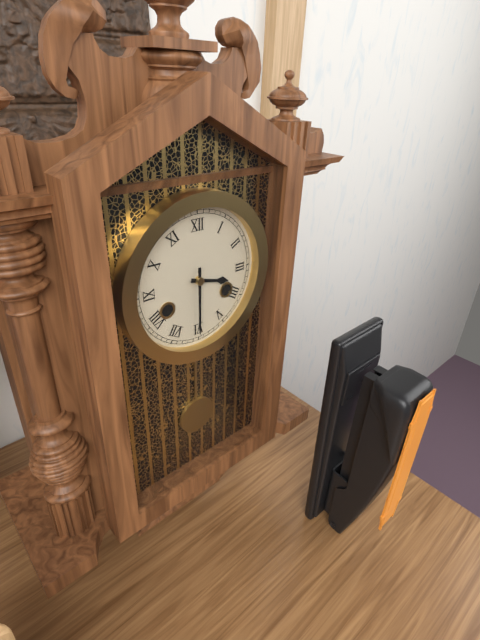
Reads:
h=3 m=30
